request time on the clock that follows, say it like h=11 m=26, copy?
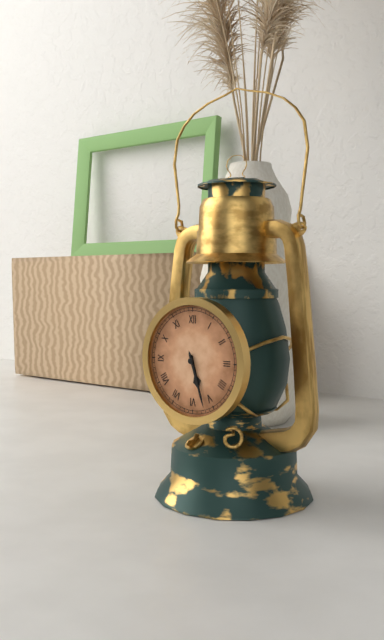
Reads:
h=5 m=27
